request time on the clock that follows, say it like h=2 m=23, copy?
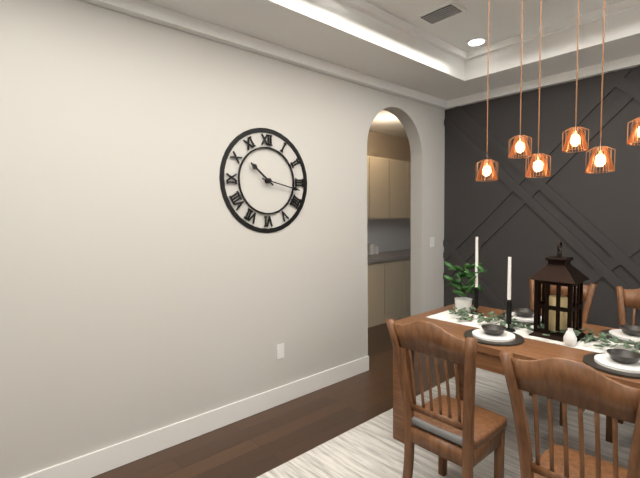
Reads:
h=10 m=17
